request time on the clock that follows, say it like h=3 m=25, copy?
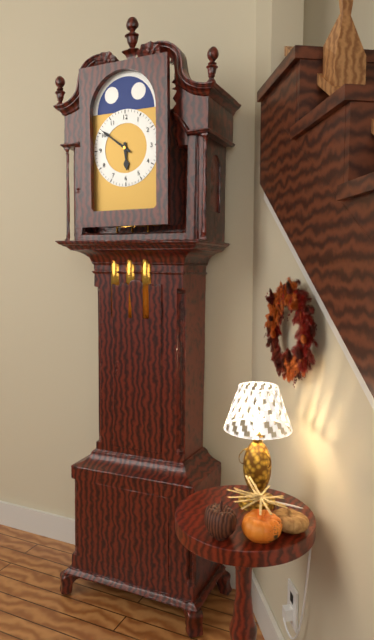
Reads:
h=5 m=51
